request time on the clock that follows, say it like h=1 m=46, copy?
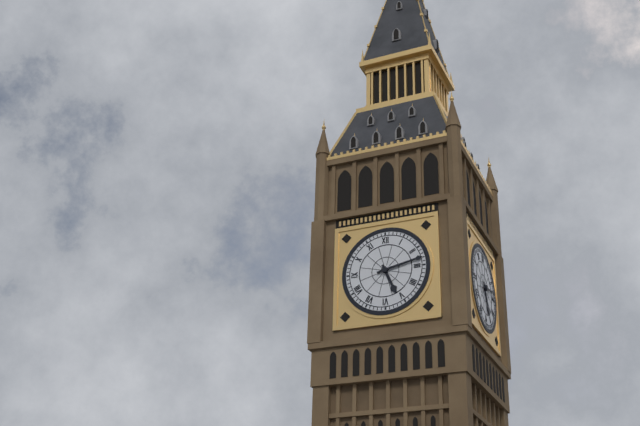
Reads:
h=5 m=13
